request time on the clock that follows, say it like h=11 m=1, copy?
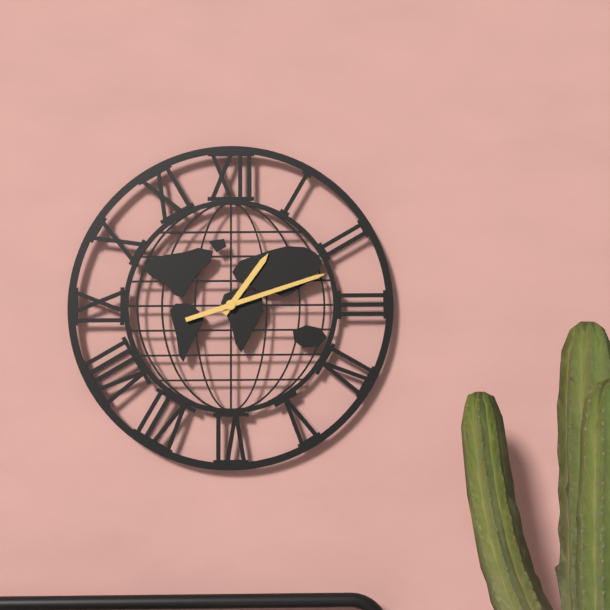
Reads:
h=1 m=12
